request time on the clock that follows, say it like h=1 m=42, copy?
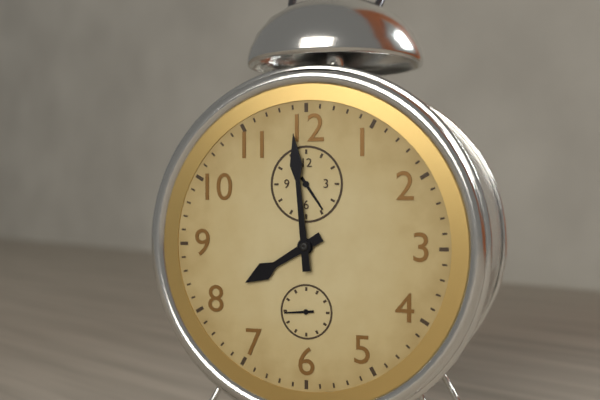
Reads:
h=7 m=59
